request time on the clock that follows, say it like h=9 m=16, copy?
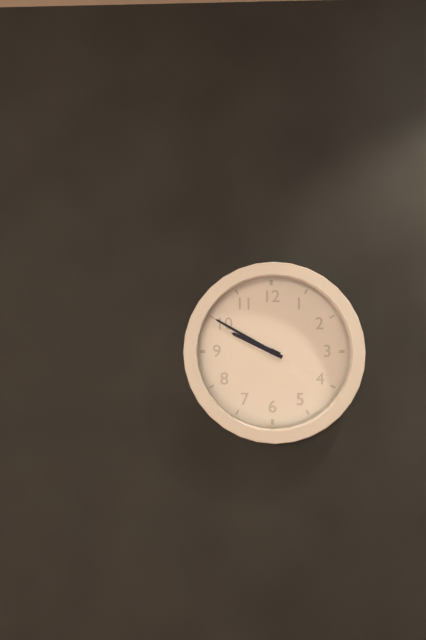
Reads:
h=9 m=50
